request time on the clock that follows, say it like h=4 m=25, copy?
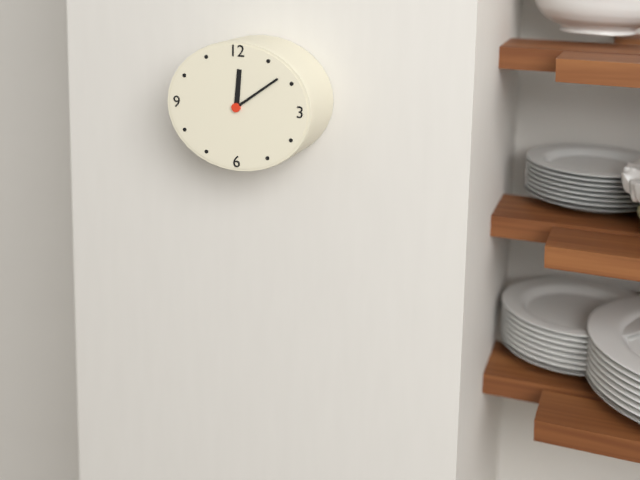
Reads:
h=12 m=9
